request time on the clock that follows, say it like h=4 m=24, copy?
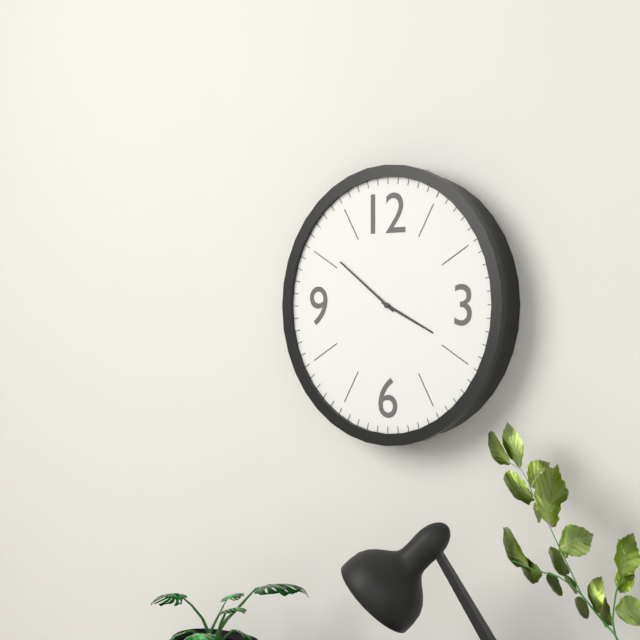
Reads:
h=3 m=51
